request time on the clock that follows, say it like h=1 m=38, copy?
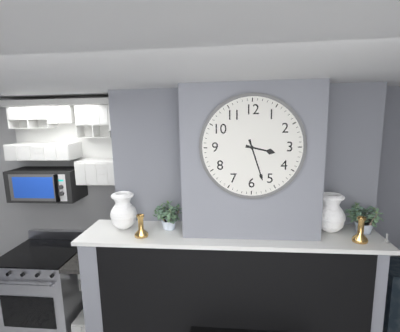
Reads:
h=3 m=27
